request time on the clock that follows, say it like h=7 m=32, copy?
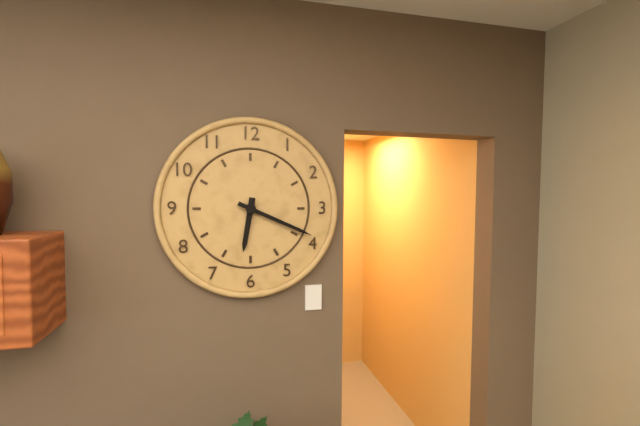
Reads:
h=6 m=19
